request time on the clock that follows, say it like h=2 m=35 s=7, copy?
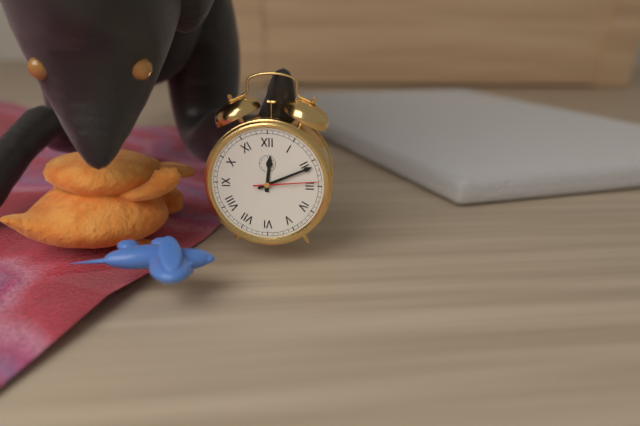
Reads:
h=12 m=11 s=14
